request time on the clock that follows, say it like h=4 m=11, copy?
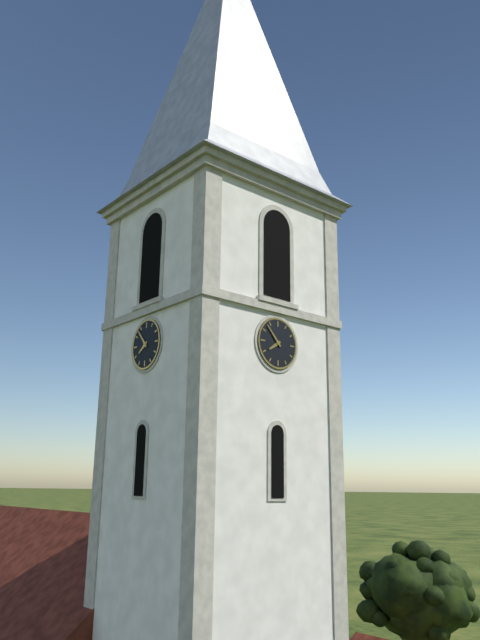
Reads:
h=7 m=53
